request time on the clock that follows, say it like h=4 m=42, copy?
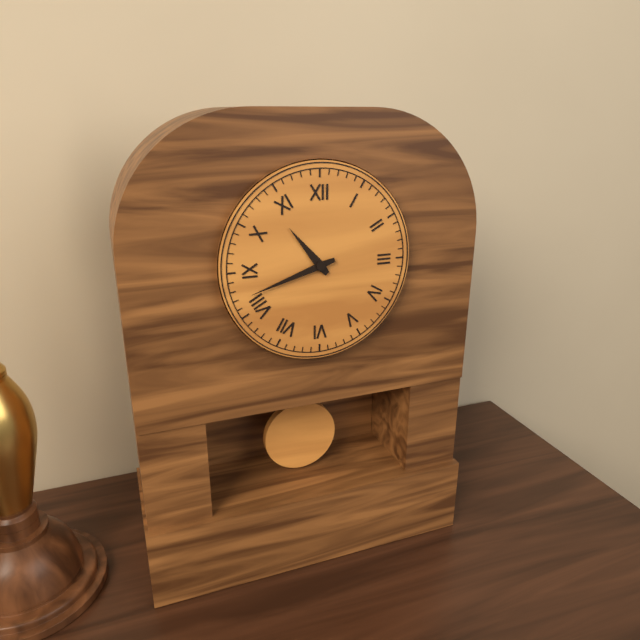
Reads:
h=10 m=42
